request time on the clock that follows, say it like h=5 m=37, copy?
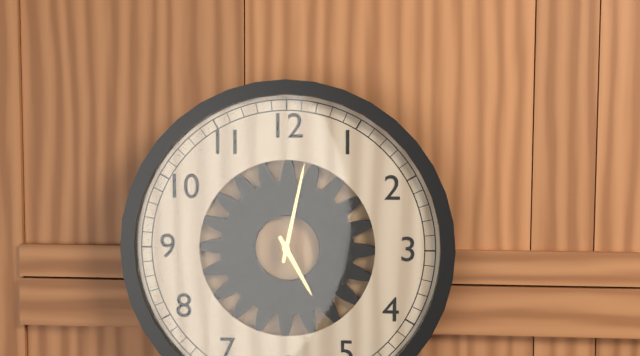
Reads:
h=5 m=2
